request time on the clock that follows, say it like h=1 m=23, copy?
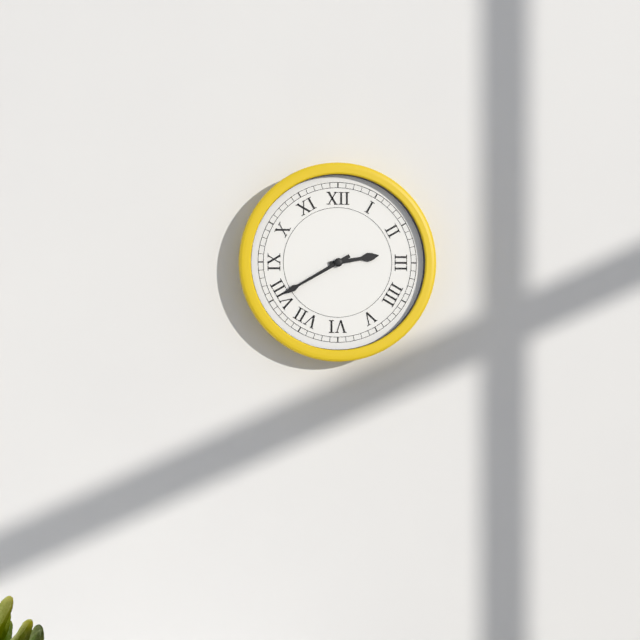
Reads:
h=2 m=40
